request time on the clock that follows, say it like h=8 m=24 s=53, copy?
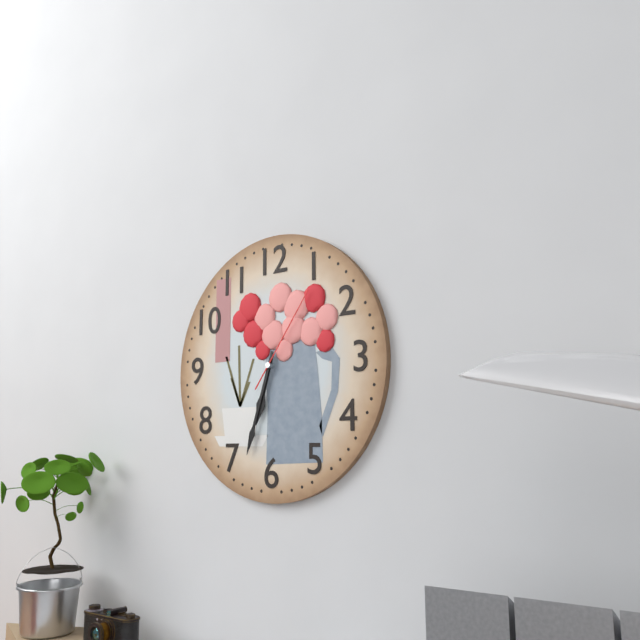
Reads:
h=6 m=33 s=6
